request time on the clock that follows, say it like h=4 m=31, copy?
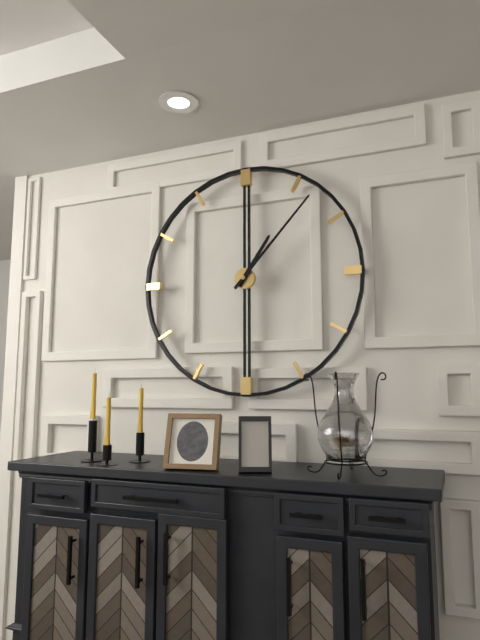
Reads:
h=1 m=7
